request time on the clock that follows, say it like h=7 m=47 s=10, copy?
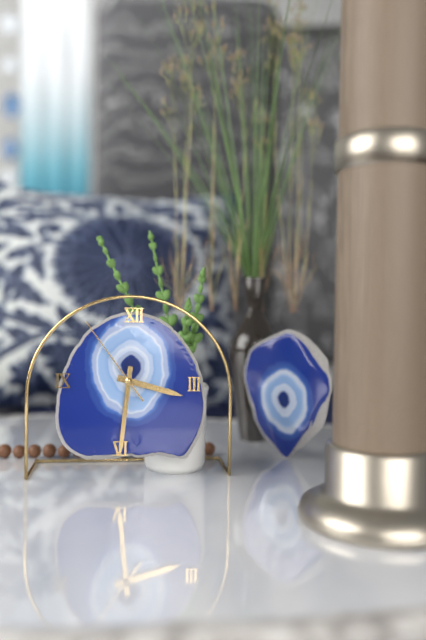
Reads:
h=3 m=31 s=54
